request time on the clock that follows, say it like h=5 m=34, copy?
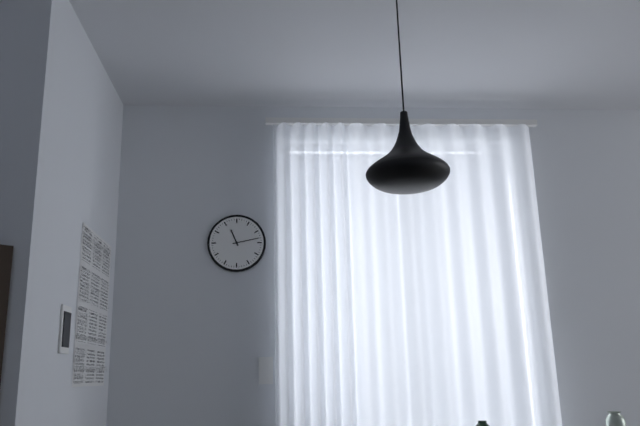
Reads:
h=11 m=13
